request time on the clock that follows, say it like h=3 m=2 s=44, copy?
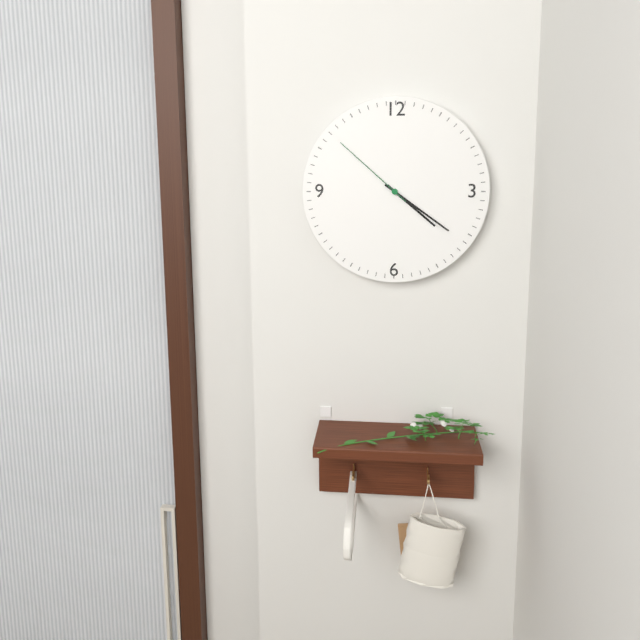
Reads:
h=4 m=21 s=52
